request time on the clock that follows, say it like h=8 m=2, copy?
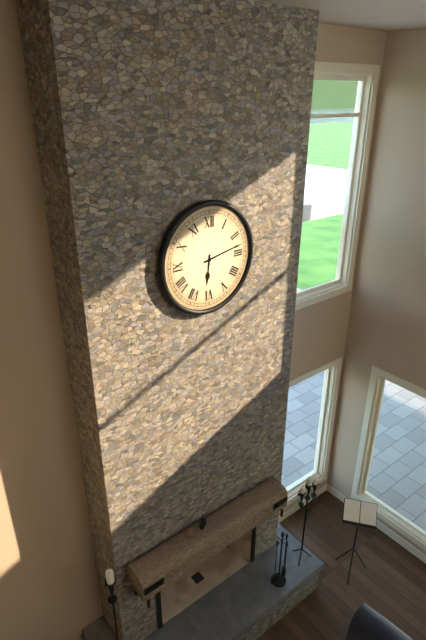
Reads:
h=6 m=13
